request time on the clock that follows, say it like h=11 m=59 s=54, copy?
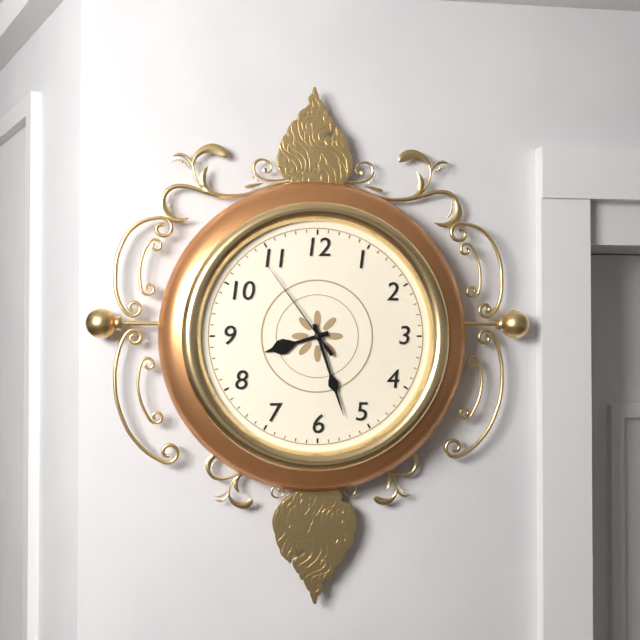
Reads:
h=8 m=27 s=54
